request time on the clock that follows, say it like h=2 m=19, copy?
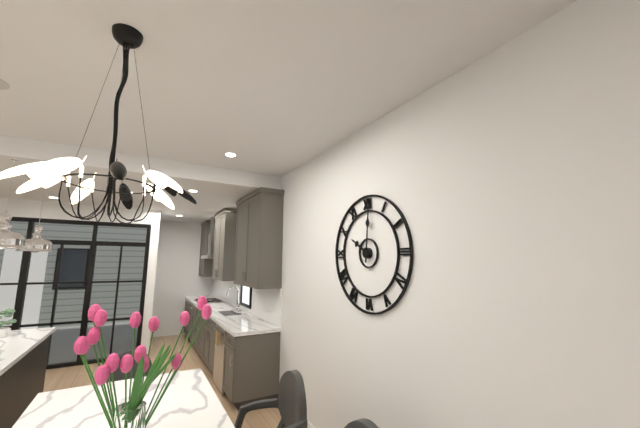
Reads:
h=10 m=1
